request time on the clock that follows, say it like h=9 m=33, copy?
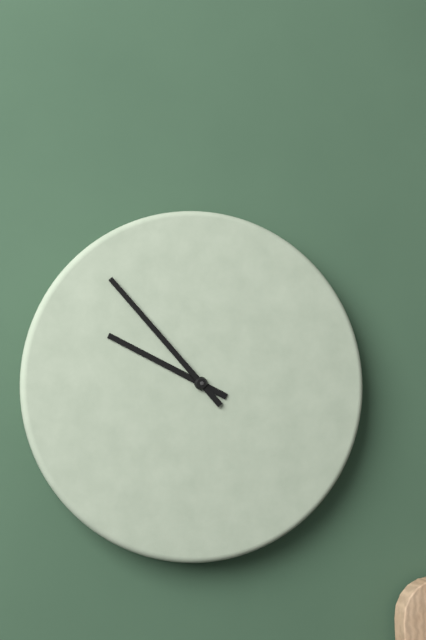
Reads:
h=9 m=53
